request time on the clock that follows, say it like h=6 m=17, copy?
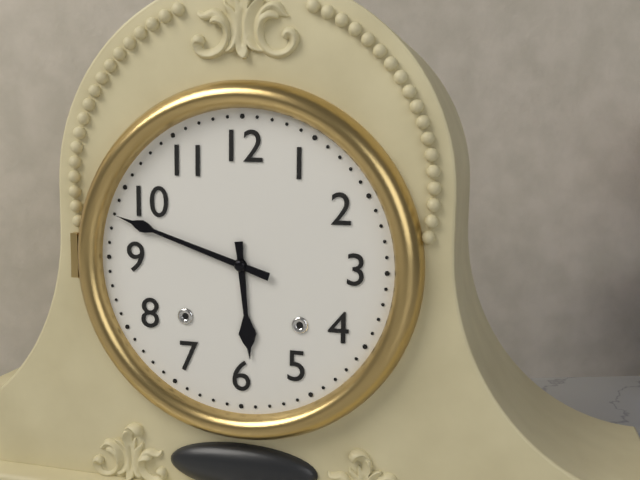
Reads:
h=5 m=48
